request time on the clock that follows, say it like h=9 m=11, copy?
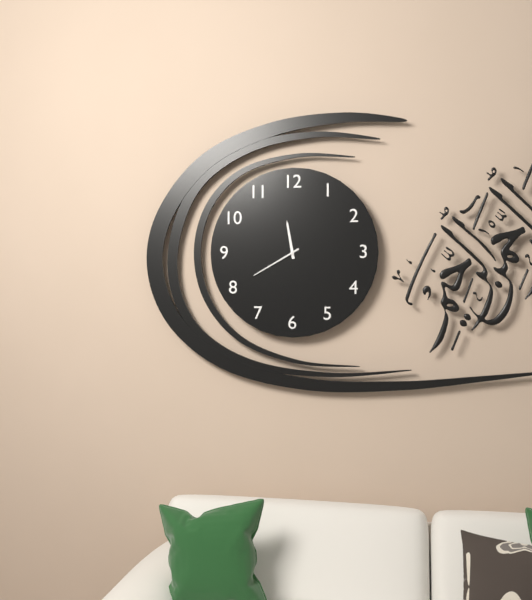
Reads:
h=11 m=40
